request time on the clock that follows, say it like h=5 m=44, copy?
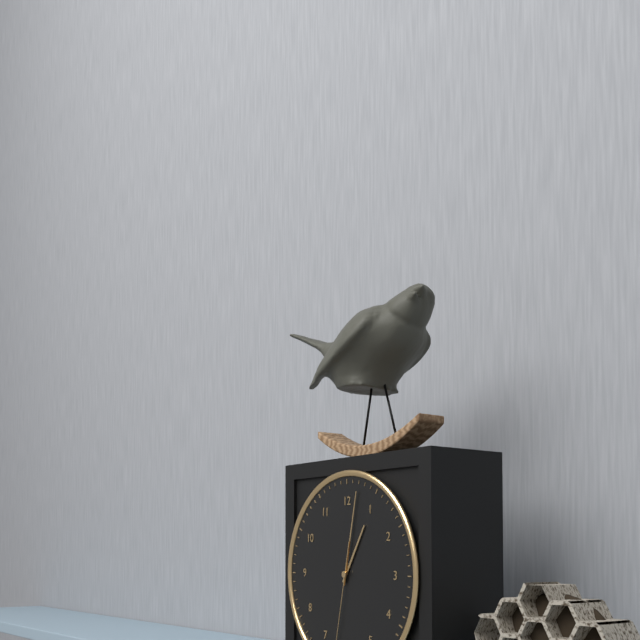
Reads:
h=1 m=2
